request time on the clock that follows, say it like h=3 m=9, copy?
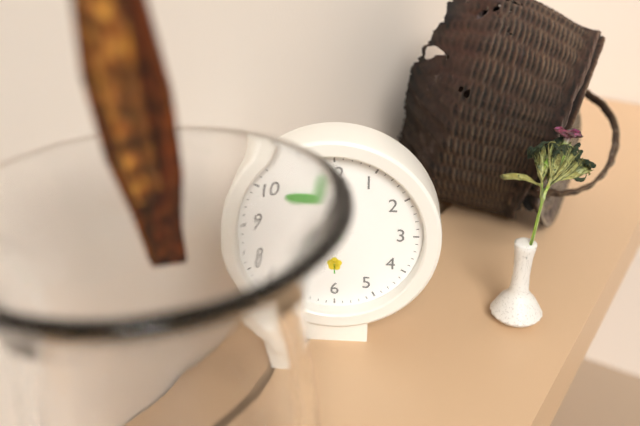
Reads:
h=9 m=59
